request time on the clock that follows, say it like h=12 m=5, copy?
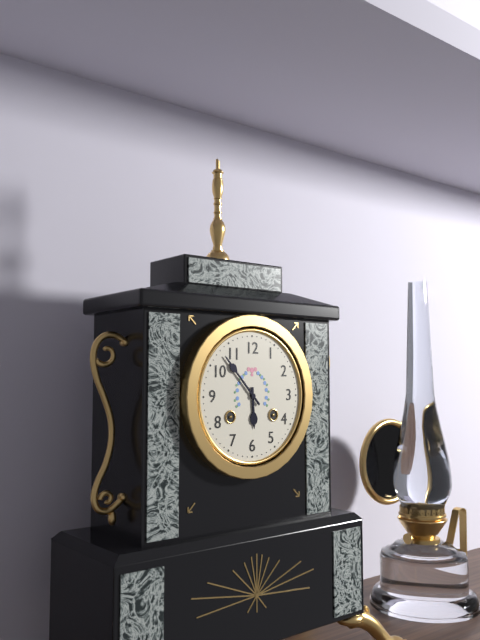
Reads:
h=5 m=53
